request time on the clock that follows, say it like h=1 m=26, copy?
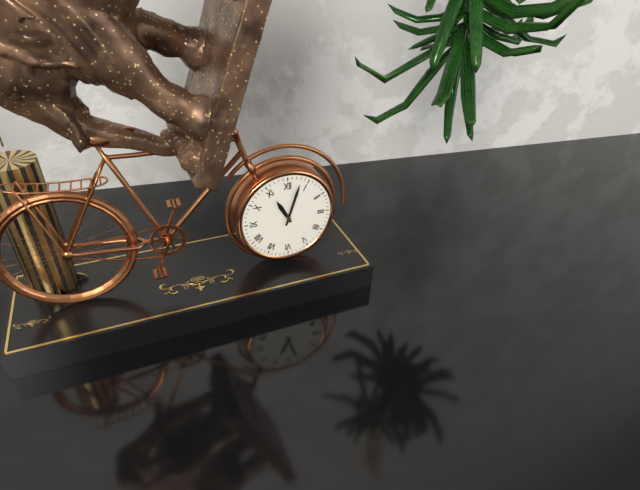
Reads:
h=11 m=3
